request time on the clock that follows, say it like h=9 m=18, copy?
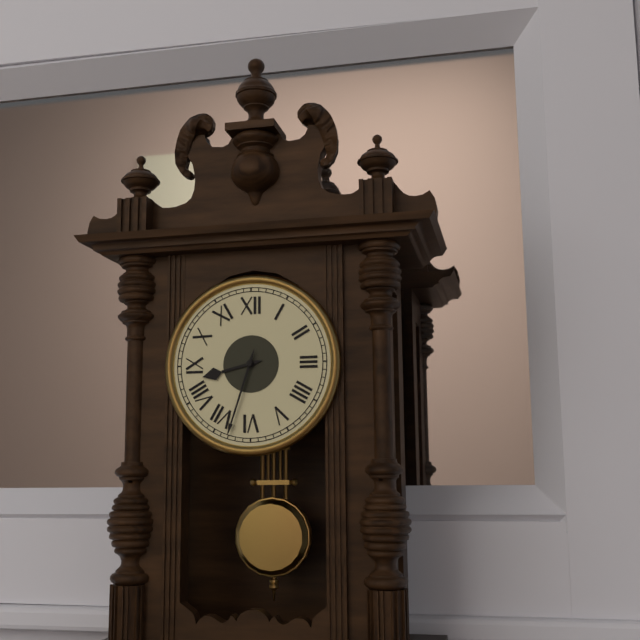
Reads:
h=8 m=33
